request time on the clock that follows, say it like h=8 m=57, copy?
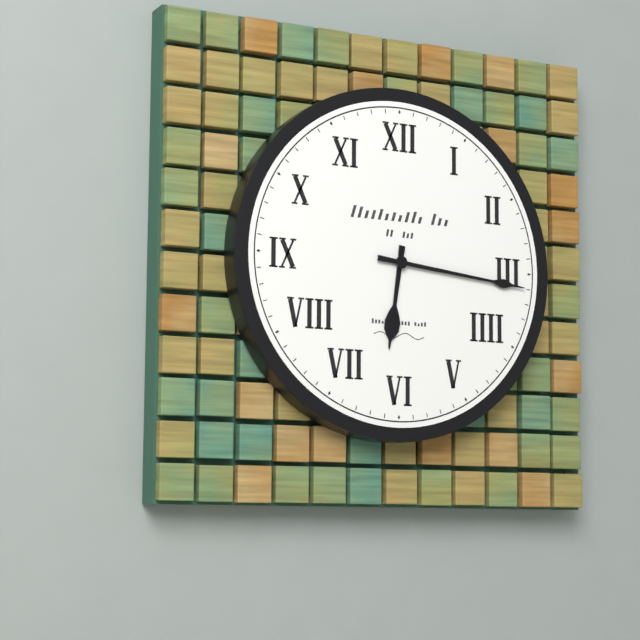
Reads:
h=6 m=16
